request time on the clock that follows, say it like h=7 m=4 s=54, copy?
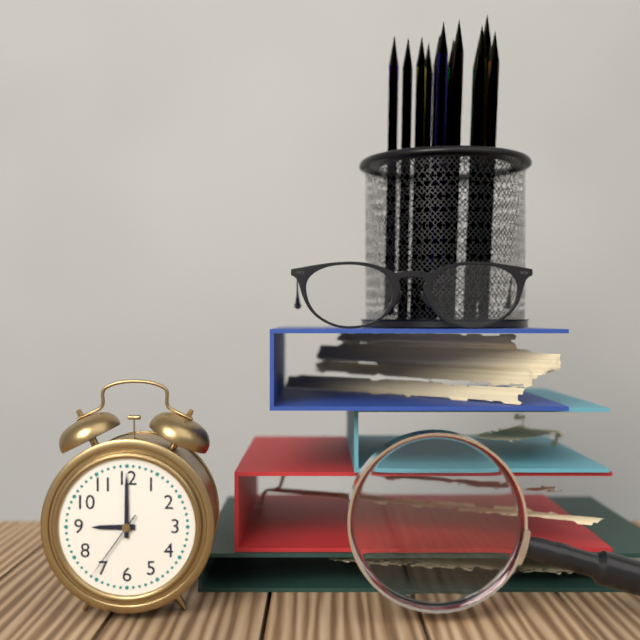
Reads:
h=9 m=0 s=36
